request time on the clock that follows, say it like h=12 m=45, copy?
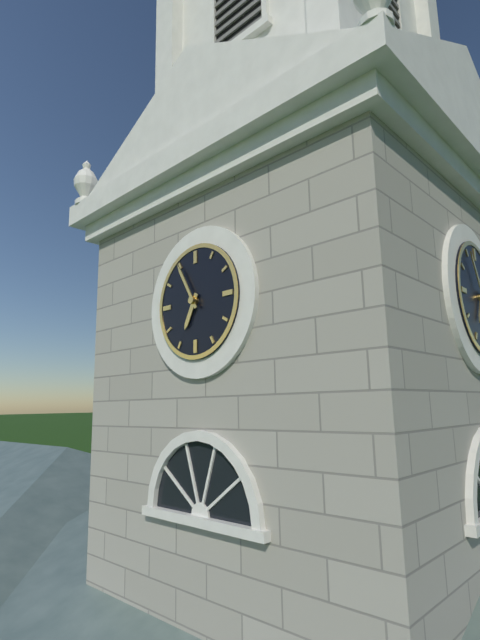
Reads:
h=6 m=55
